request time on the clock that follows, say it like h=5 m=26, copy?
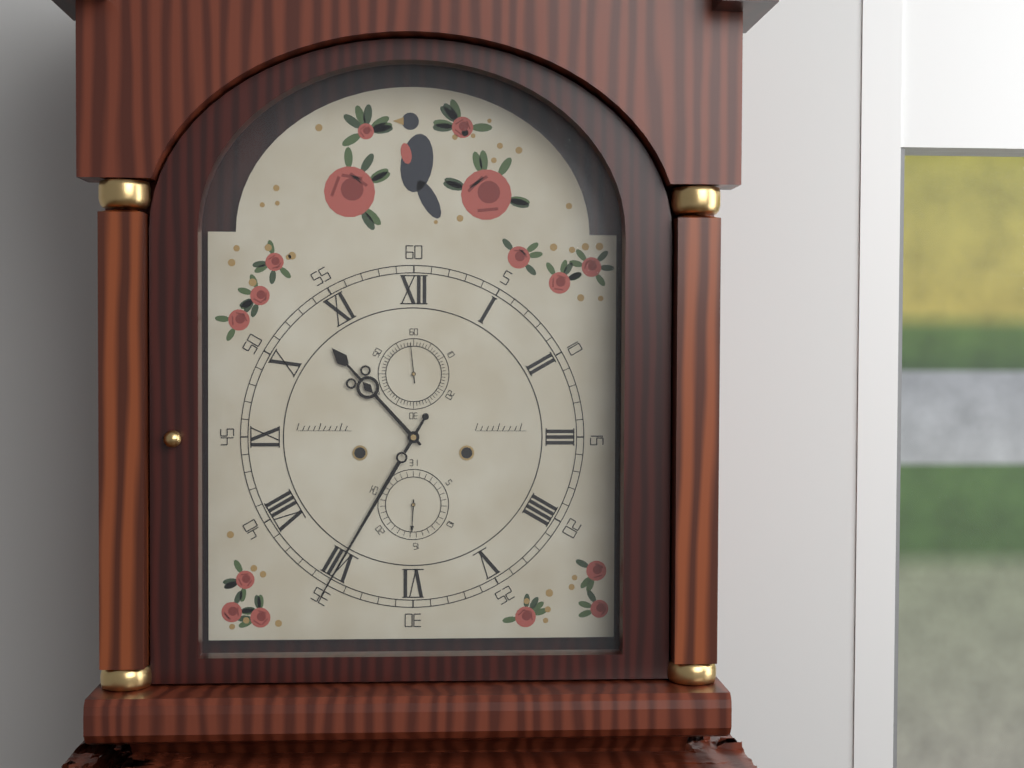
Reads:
h=10 m=35
